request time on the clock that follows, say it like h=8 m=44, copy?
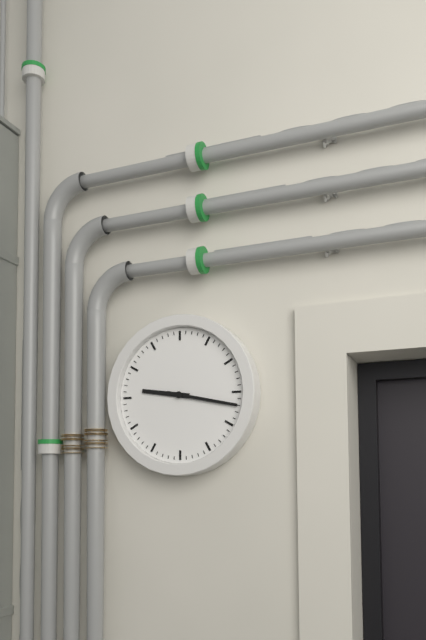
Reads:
h=9 m=17
